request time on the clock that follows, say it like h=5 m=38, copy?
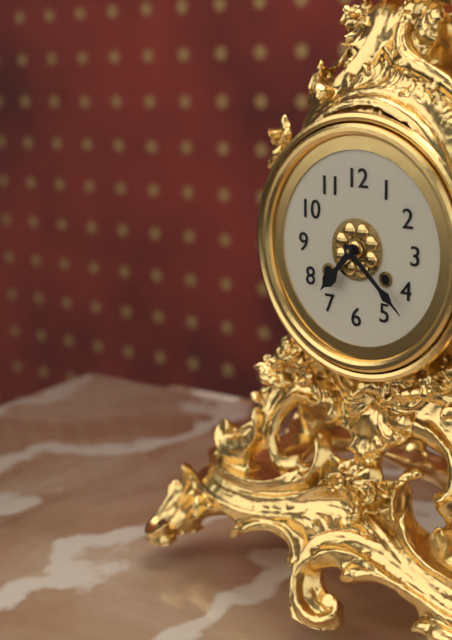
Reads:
h=7 m=22
